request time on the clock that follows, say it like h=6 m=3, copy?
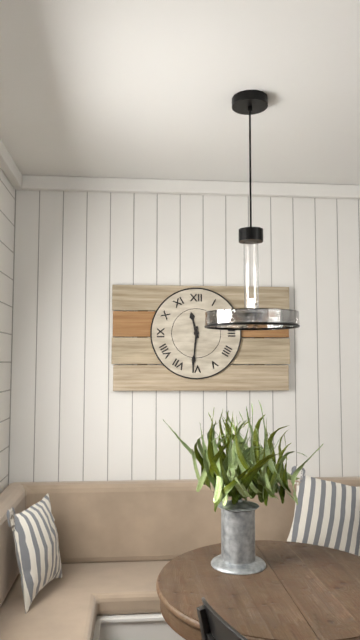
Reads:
h=11 m=31
